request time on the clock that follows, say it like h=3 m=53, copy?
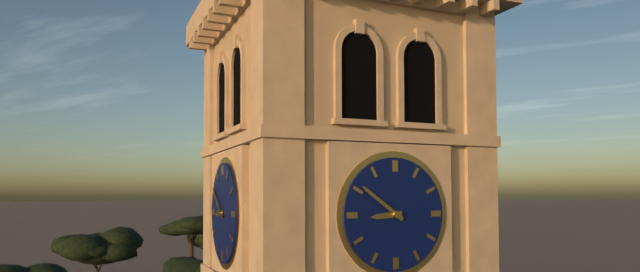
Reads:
h=8 m=51
